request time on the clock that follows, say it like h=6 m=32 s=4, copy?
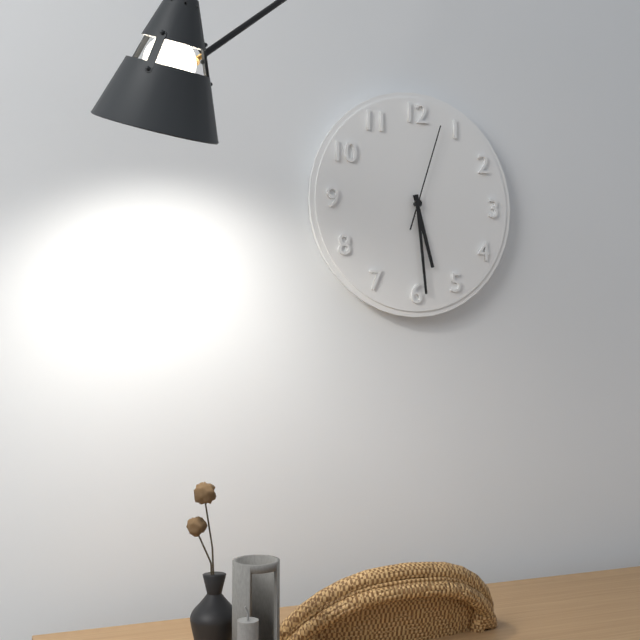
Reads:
h=5 m=29 s=3
